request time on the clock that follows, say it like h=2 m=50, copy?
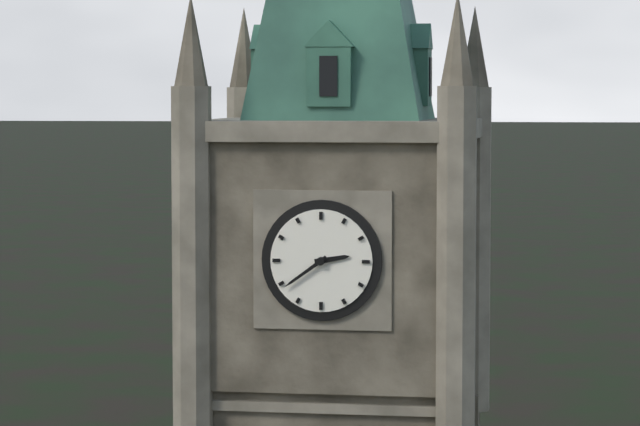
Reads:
h=2 m=39
